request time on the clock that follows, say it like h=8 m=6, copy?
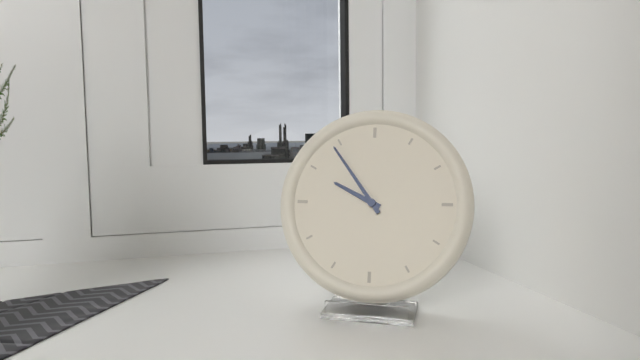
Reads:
h=9 m=54
